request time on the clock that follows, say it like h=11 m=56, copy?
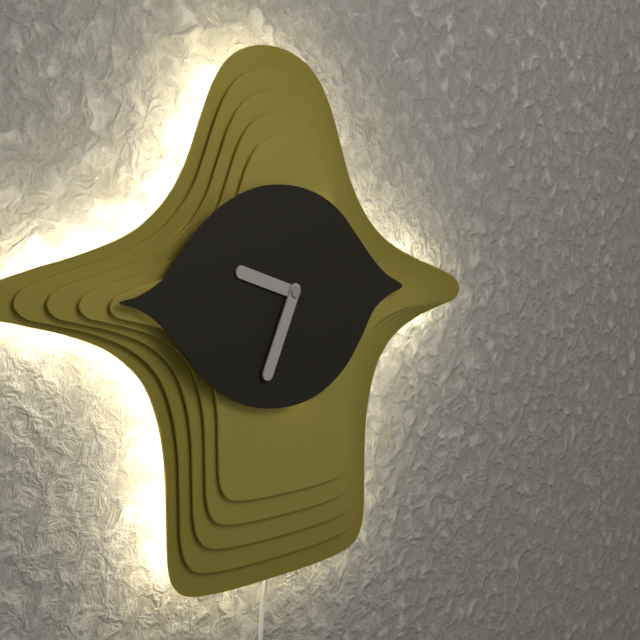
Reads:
h=9 m=34
